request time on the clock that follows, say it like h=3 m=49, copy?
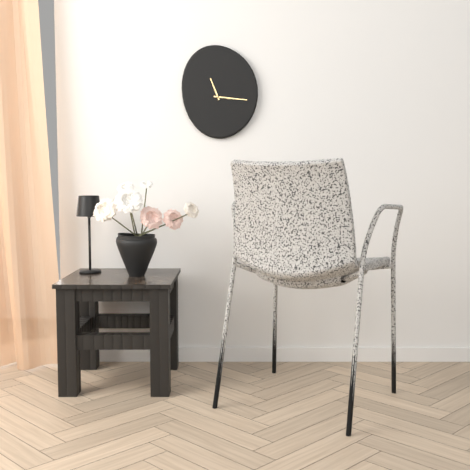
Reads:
h=11 m=16
